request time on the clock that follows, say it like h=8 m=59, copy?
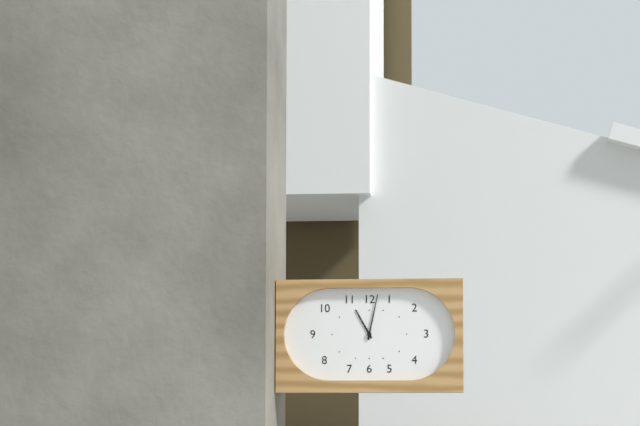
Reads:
h=11 m=2
